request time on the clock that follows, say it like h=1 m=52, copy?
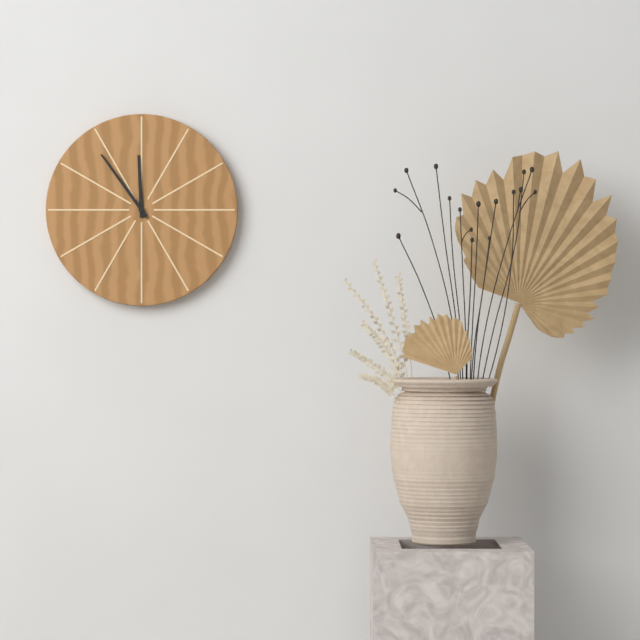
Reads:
h=11 m=54
